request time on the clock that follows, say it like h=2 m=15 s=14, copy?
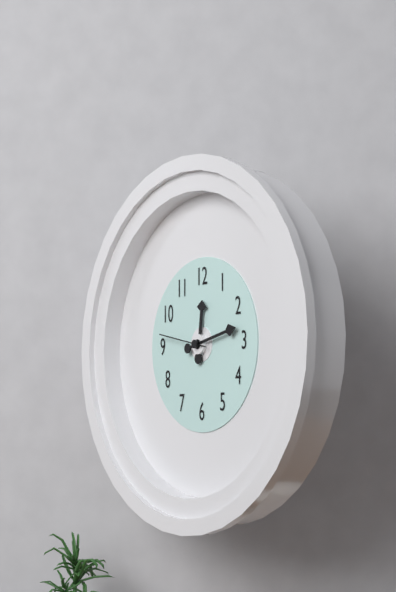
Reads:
h=12 m=13 s=47
